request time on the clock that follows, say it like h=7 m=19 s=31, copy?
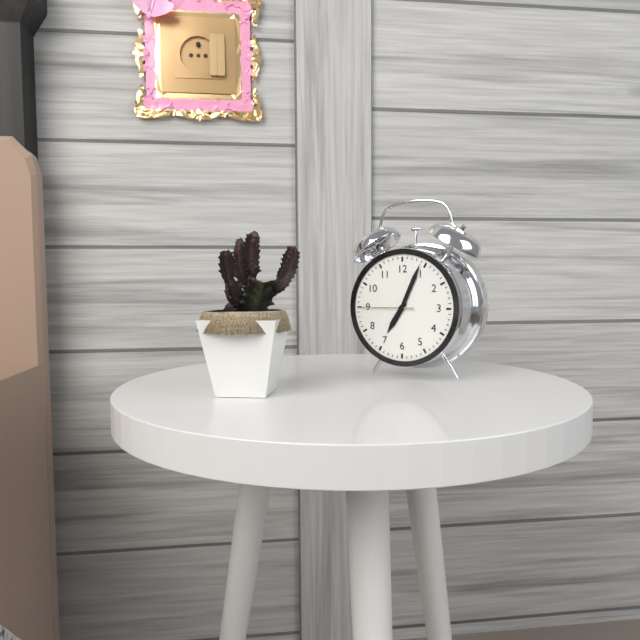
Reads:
h=7 m=4 s=45
